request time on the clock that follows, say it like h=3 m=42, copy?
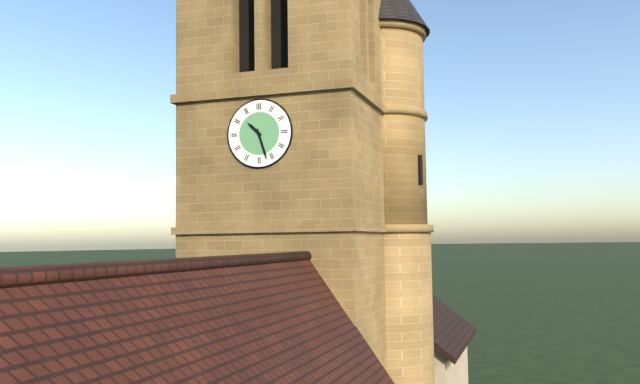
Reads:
h=10 m=27
